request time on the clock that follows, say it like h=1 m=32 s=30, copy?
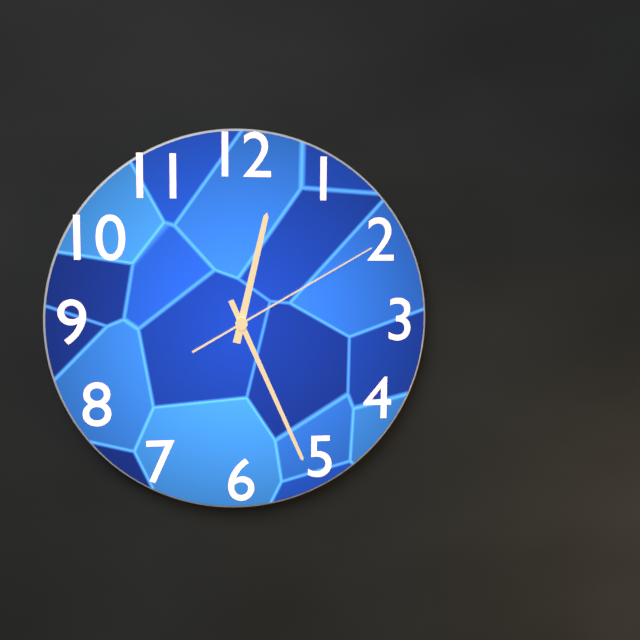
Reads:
h=12 m=26 s=10
